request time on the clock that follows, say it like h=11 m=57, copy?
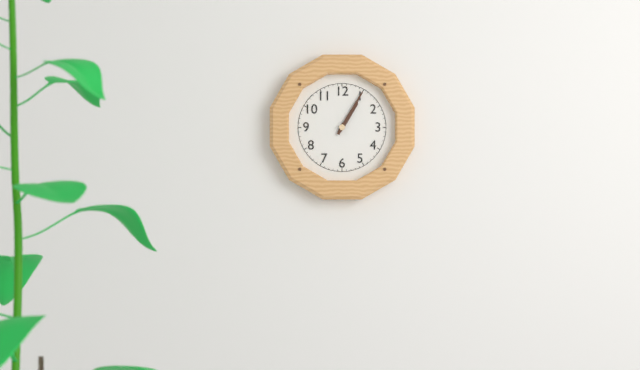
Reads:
h=1 m=5
